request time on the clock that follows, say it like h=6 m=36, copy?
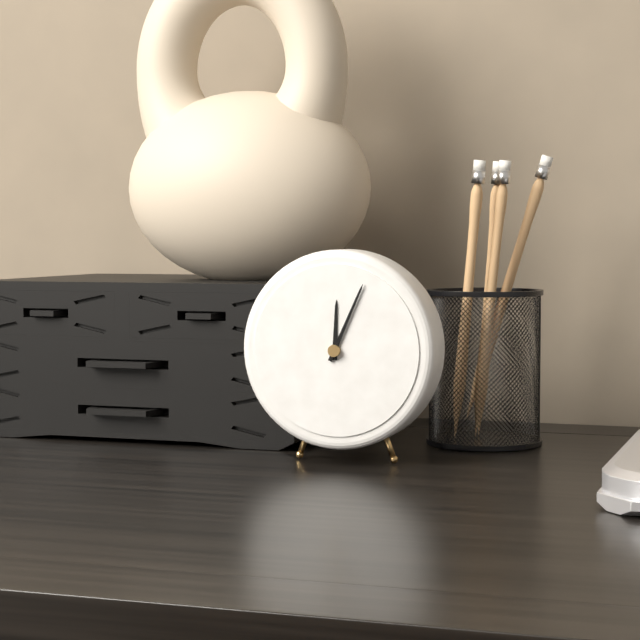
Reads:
h=12 m=4
